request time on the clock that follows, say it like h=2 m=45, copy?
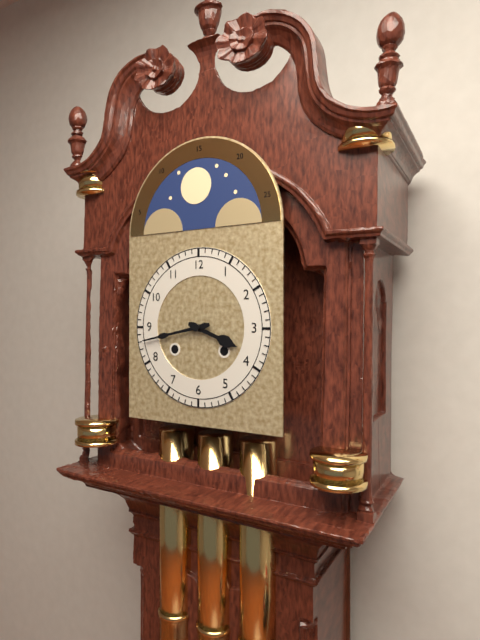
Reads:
h=3 m=43
